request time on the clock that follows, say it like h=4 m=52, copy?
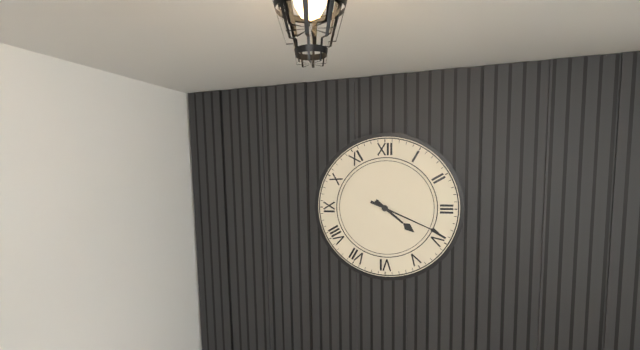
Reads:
h=4 m=19
